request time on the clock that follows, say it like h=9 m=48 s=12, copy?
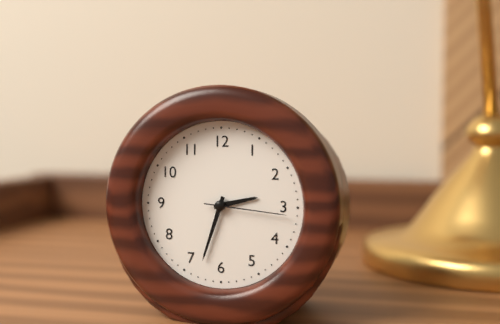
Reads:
h=2 m=33 s=16
